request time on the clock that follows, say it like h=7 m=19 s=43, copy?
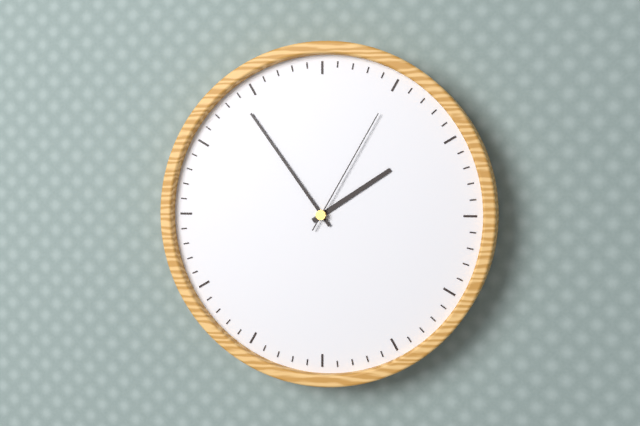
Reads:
h=1 m=54 s=5
